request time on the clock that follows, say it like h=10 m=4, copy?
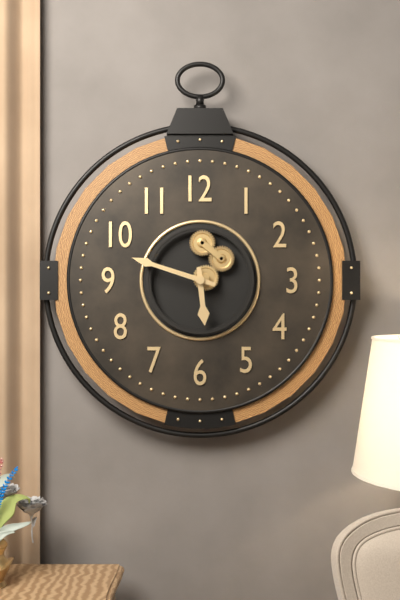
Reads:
h=5 m=48
